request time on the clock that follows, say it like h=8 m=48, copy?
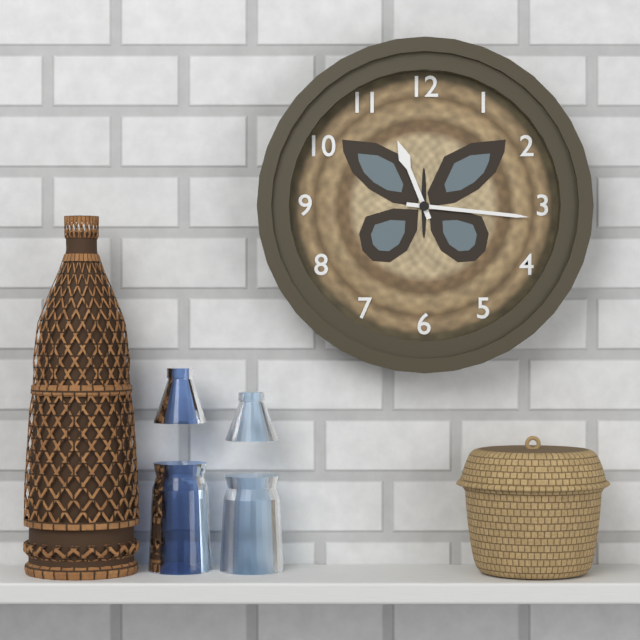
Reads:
h=11 m=16
